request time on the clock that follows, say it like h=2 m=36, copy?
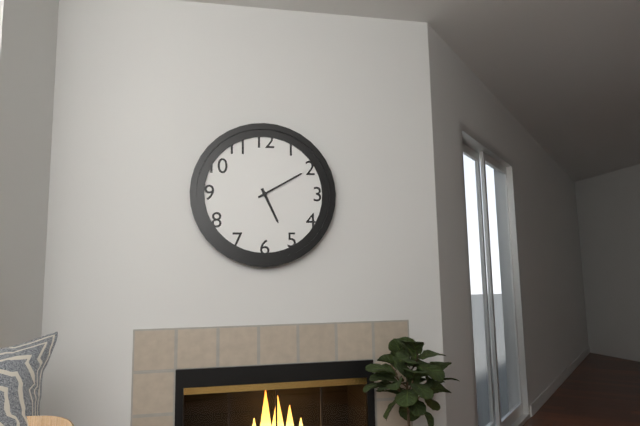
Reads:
h=5 m=10
